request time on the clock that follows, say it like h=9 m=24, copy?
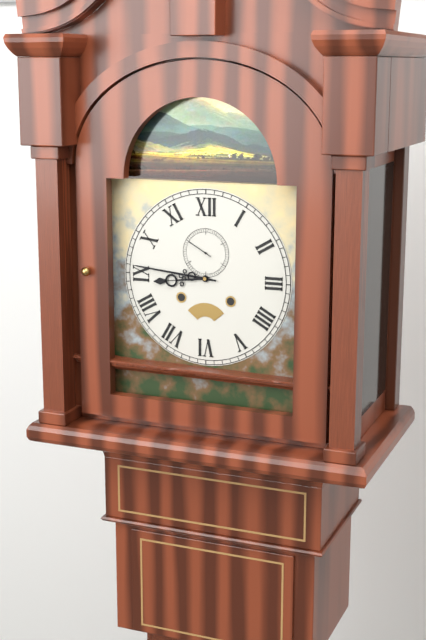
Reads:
h=8 m=46
